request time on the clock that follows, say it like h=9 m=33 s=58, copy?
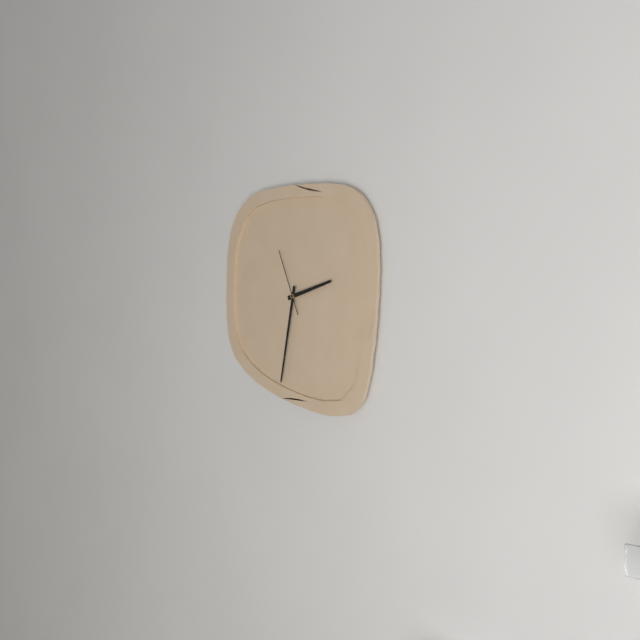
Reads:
h=2 m=32 s=56
